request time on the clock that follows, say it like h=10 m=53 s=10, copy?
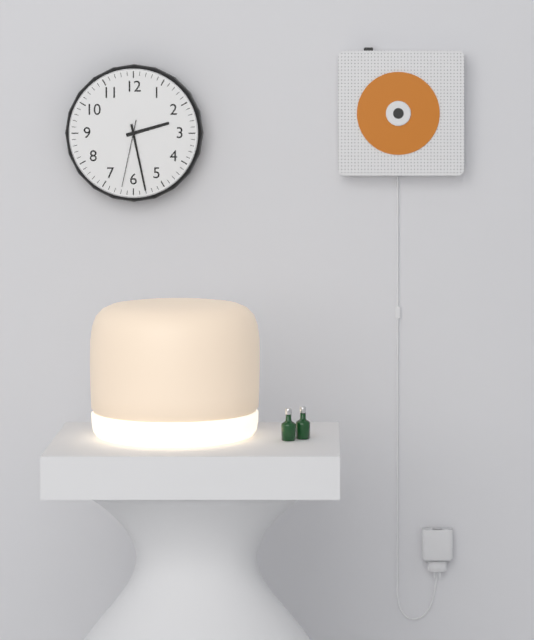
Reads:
h=2 m=28 s=32
